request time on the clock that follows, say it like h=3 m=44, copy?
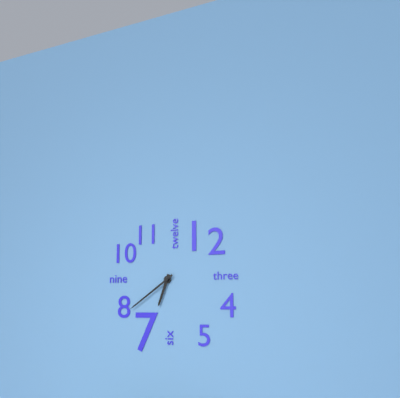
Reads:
h=6 m=39
